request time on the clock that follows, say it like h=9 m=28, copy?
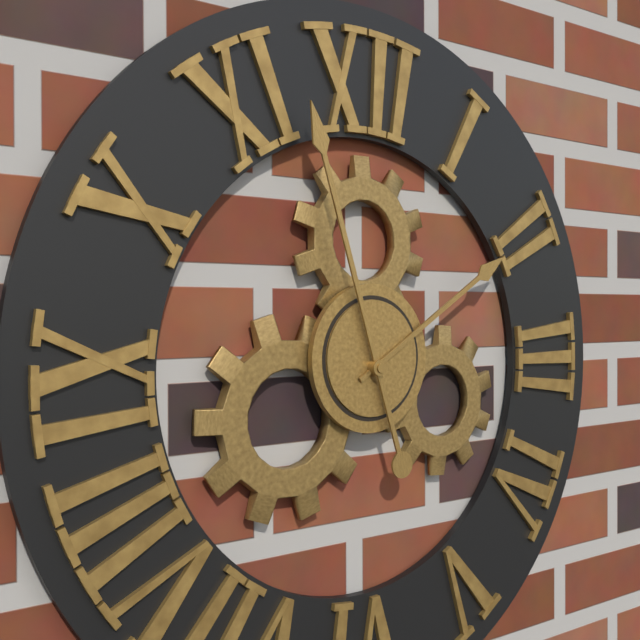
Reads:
h=1 m=57
